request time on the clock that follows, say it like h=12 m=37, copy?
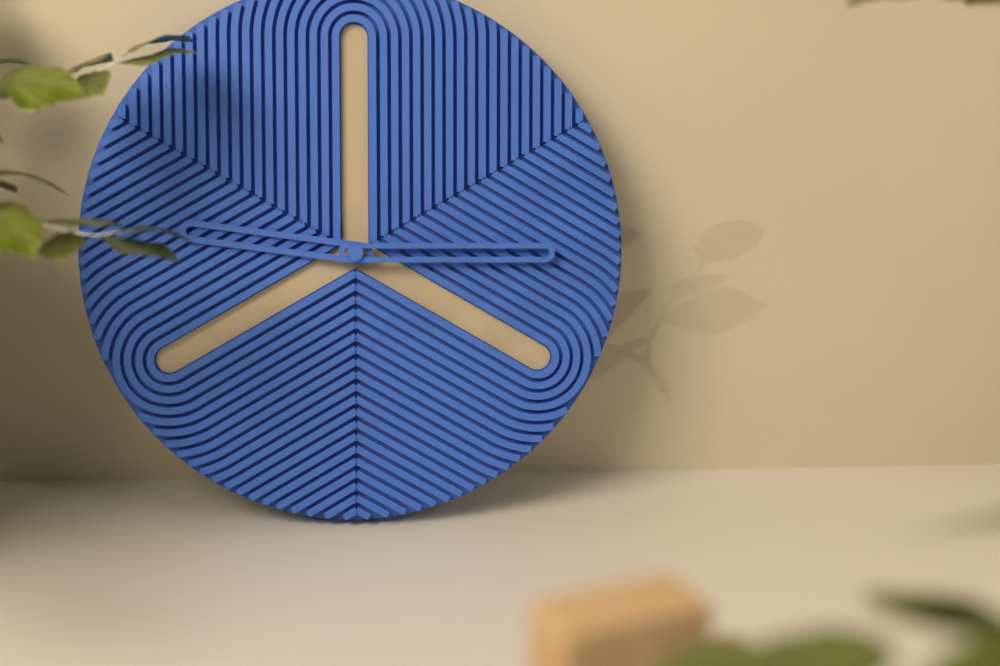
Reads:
h=9 m=15
